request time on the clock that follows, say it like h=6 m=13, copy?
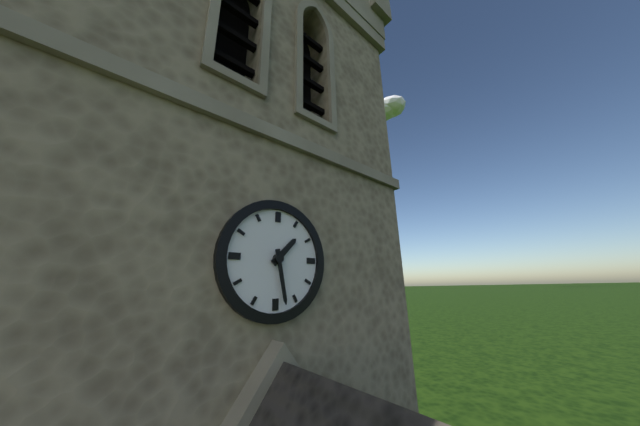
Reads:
h=1 m=28
